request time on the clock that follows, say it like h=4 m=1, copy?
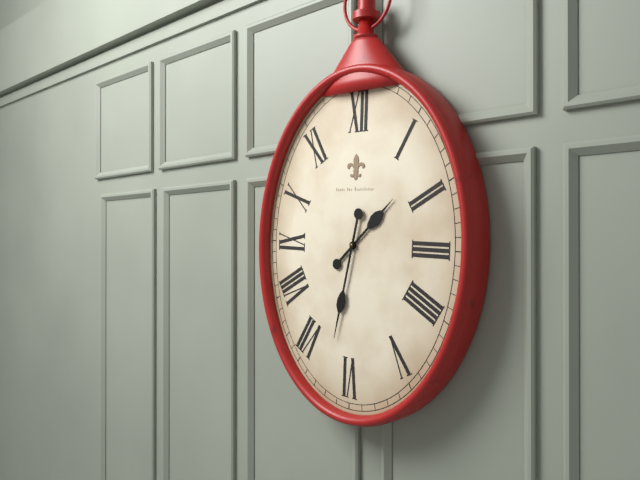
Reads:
h=1 m=32
